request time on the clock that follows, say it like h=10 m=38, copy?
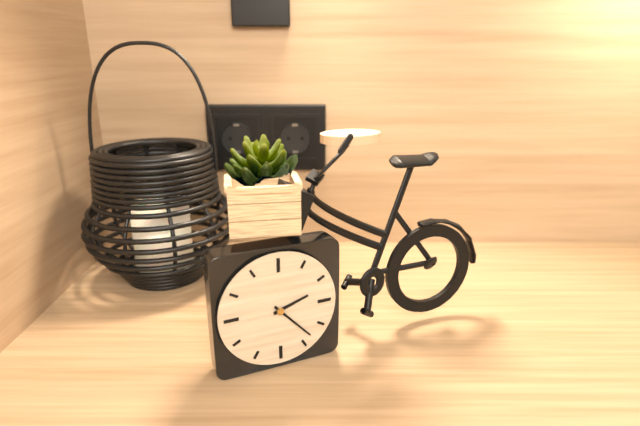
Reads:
h=2 m=23
